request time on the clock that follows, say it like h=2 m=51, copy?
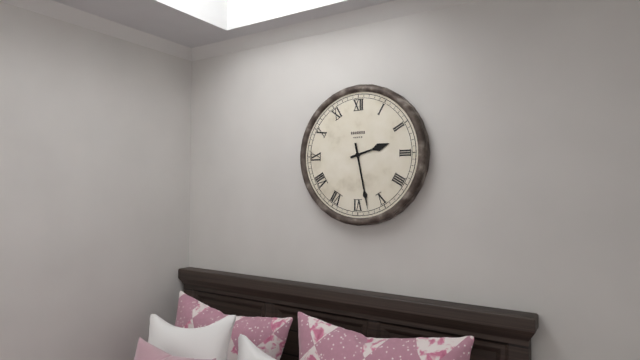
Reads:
h=2 m=28
